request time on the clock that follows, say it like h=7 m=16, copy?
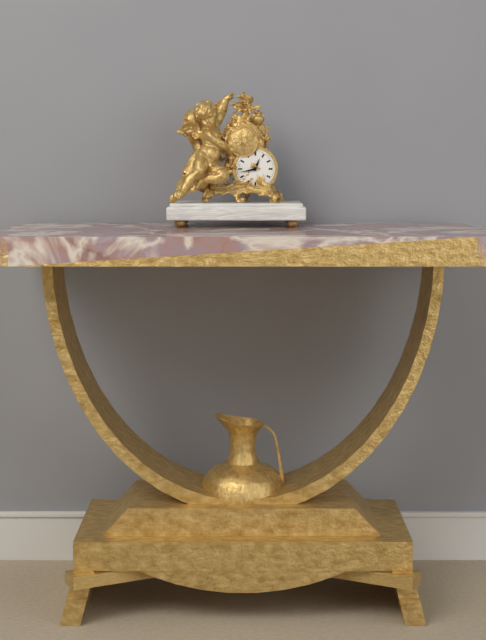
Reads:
h=12 m=43
